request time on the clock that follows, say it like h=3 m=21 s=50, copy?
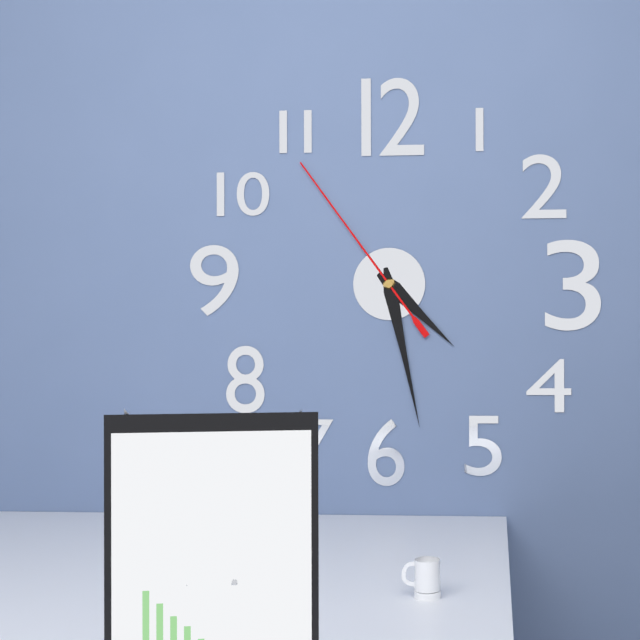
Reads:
h=4 m=28 s=54
